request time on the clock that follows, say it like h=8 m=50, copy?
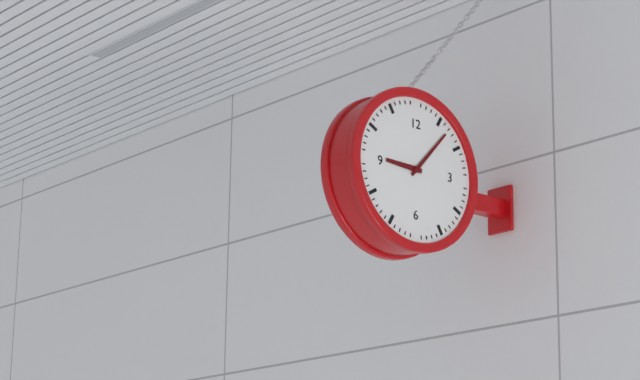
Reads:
h=9 m=7
